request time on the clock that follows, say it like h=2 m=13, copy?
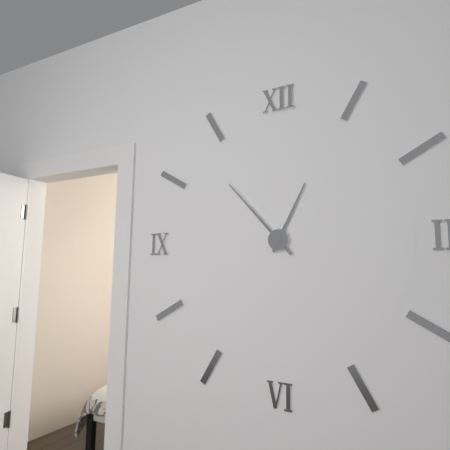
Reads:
h=12 m=53
